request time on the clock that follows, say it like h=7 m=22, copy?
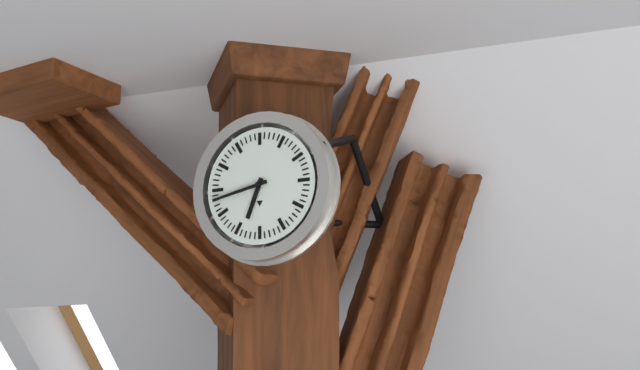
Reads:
h=6 m=43
